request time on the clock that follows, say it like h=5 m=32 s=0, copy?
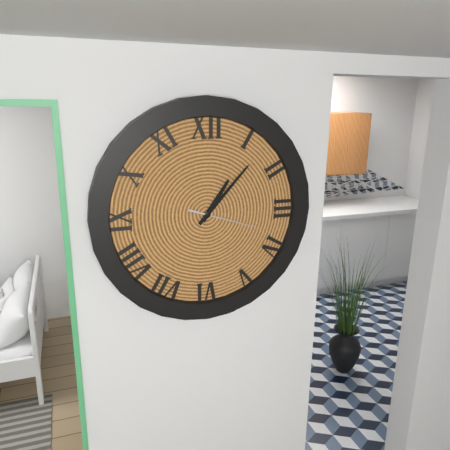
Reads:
h=1 m=7 s=18
